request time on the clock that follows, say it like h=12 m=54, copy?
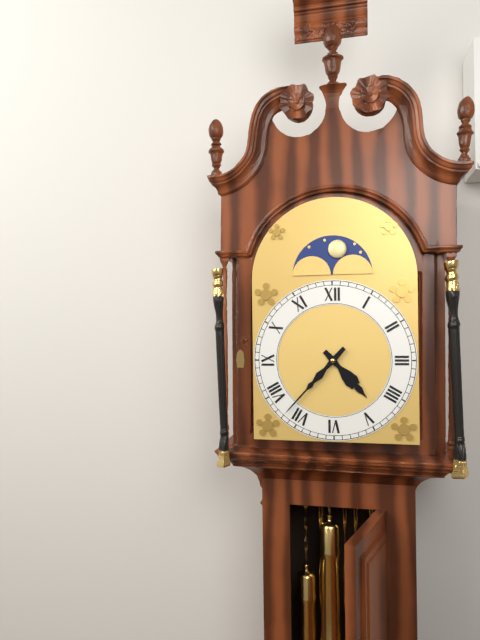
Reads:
h=4 m=37
